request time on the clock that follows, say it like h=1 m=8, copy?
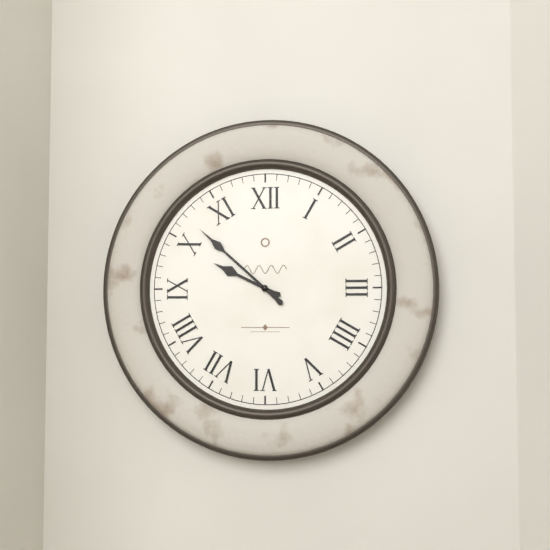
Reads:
h=9 m=52
